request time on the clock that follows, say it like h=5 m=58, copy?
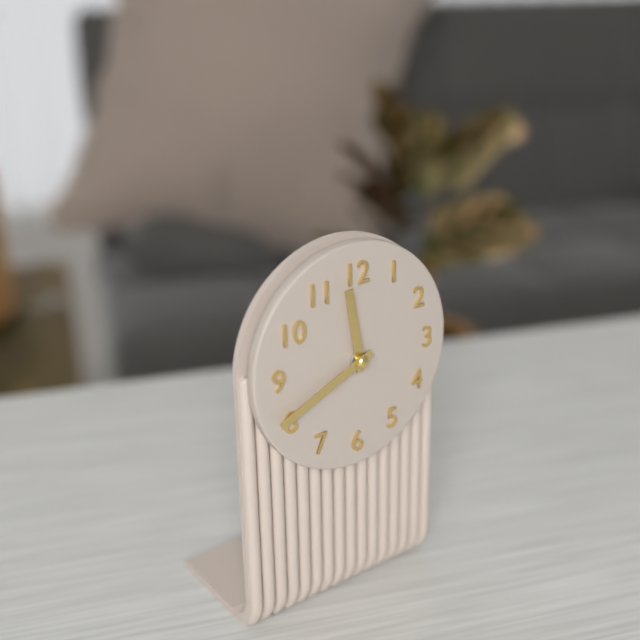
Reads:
h=11 m=41
